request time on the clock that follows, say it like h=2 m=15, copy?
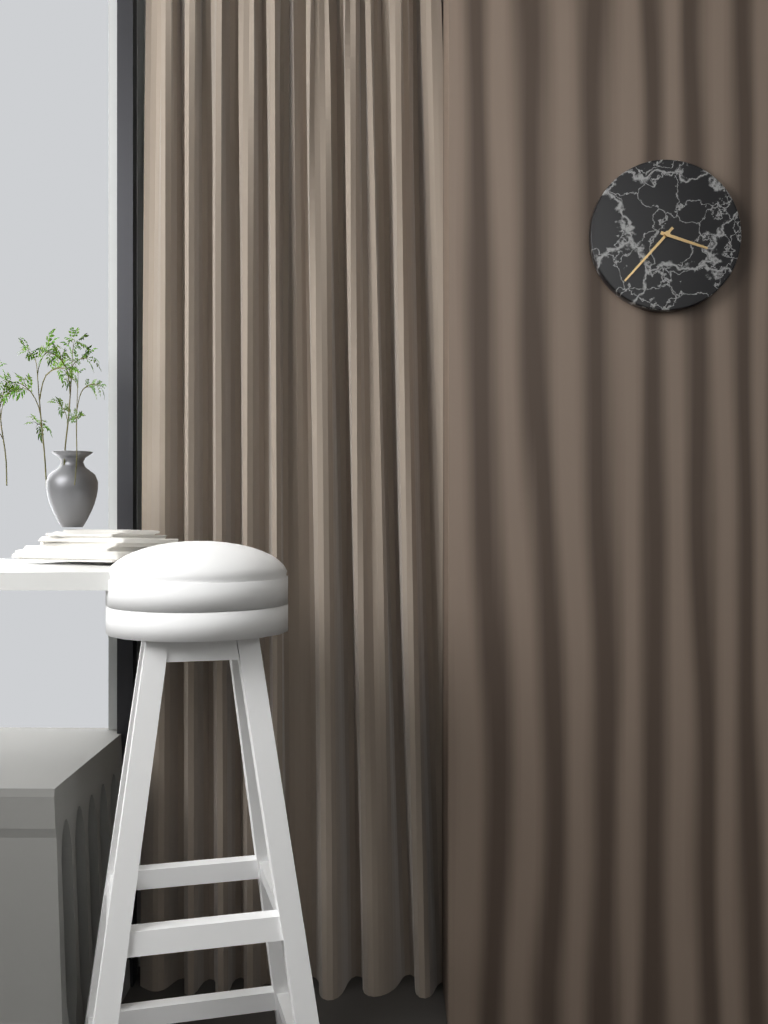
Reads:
h=3 m=37
